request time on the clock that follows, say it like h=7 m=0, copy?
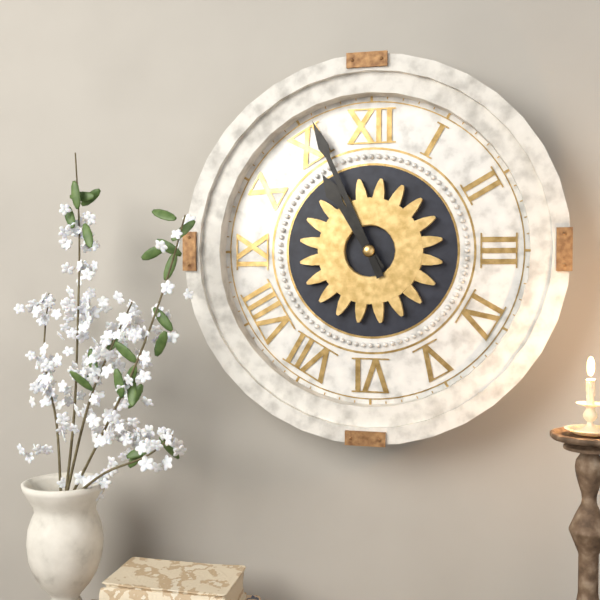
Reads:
h=10 m=56
